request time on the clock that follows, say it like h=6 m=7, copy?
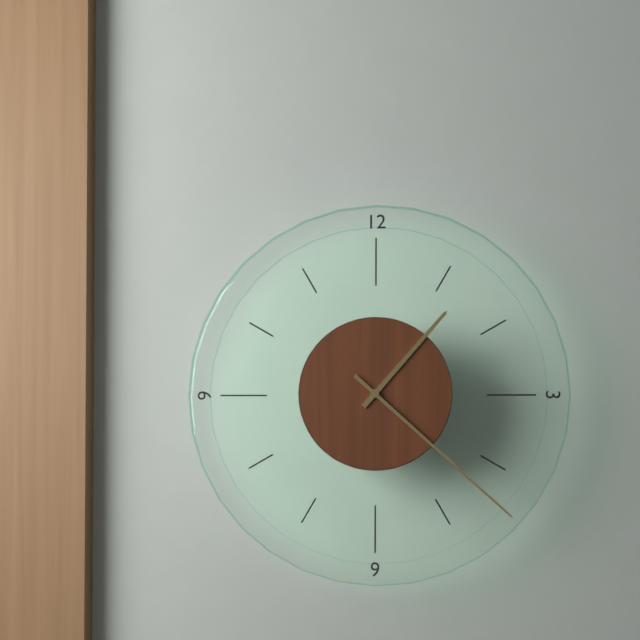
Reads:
h=1 m=22
